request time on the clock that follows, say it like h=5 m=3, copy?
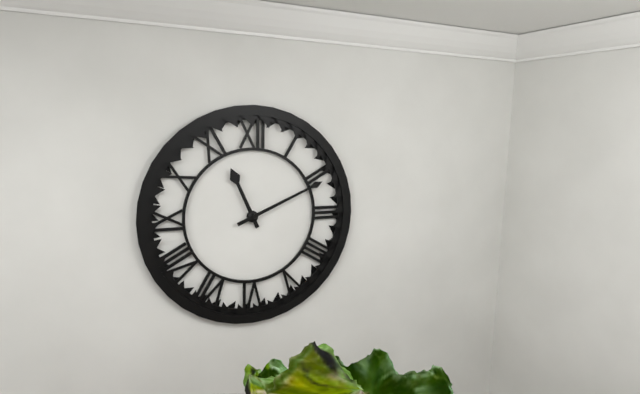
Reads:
h=11 m=11
